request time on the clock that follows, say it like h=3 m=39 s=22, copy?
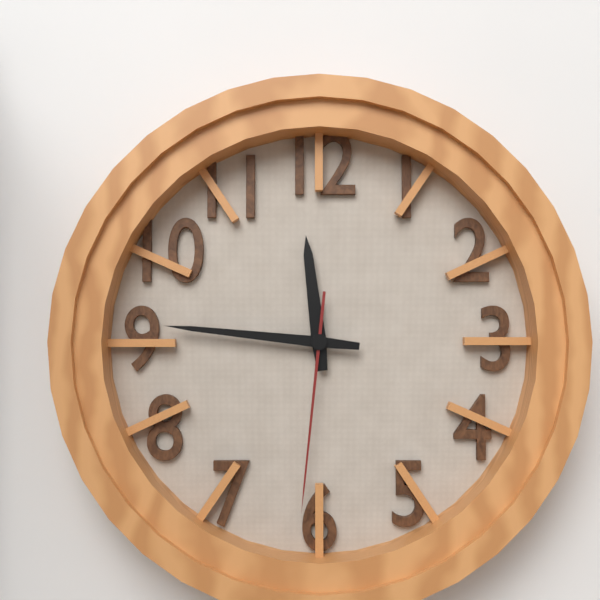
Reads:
h=11 m=46 s=31
